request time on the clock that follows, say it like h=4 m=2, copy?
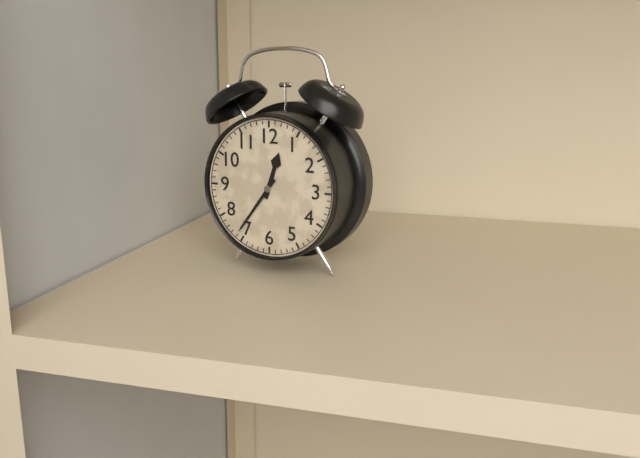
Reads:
h=12 m=36
